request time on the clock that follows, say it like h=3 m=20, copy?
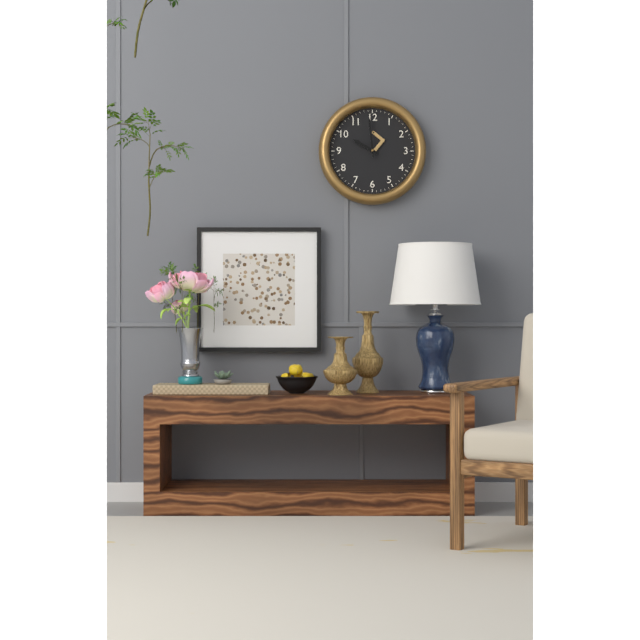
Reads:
h=9 m=59
